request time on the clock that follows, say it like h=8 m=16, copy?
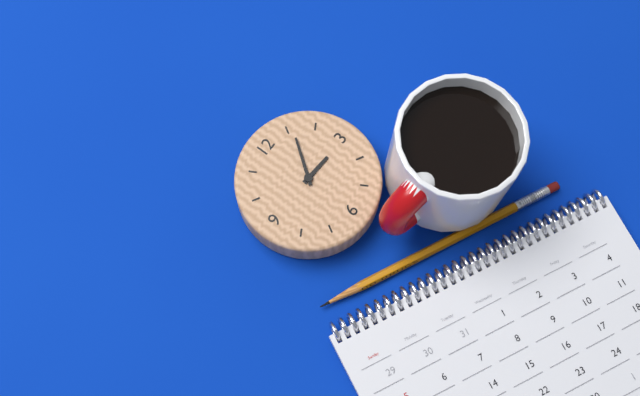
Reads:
h=3 m=6
